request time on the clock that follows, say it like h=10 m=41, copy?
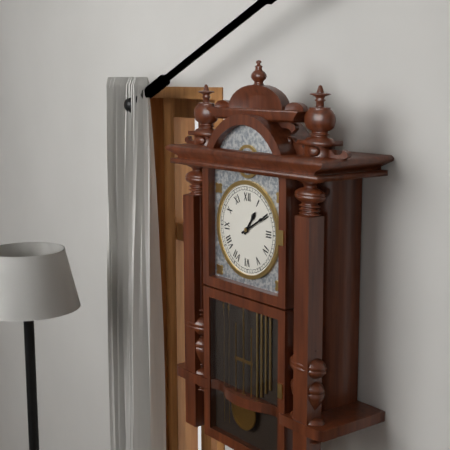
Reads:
h=1 m=10
